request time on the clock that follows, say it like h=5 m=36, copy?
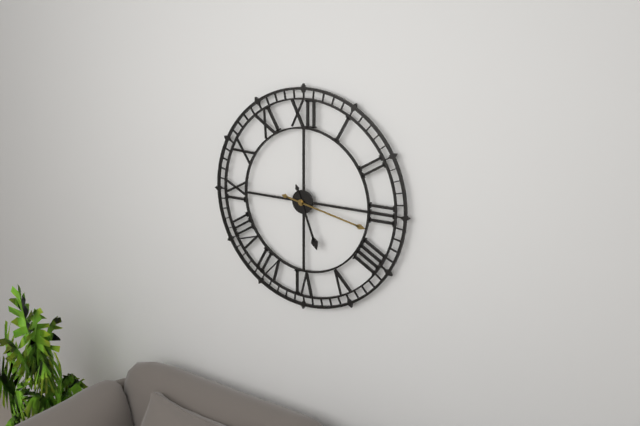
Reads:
h=5 m=17
